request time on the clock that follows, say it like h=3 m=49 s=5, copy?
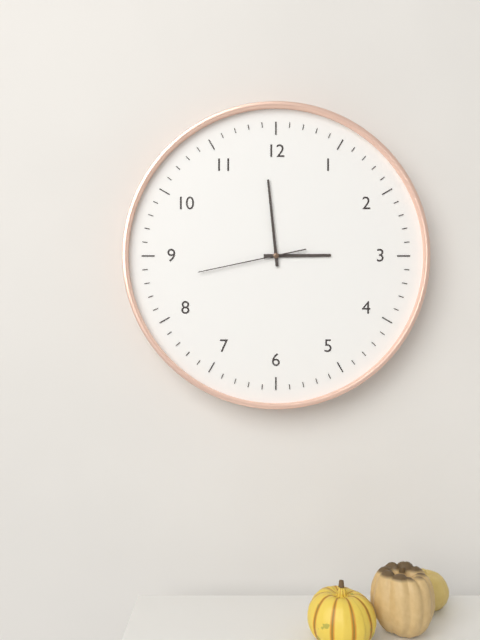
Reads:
h=2 m=59 s=43
